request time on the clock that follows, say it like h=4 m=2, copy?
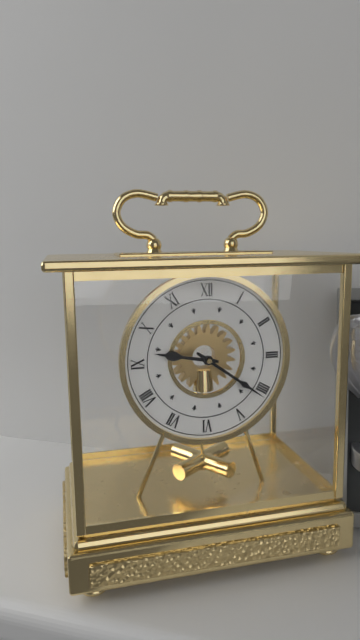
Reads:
h=9 m=21
